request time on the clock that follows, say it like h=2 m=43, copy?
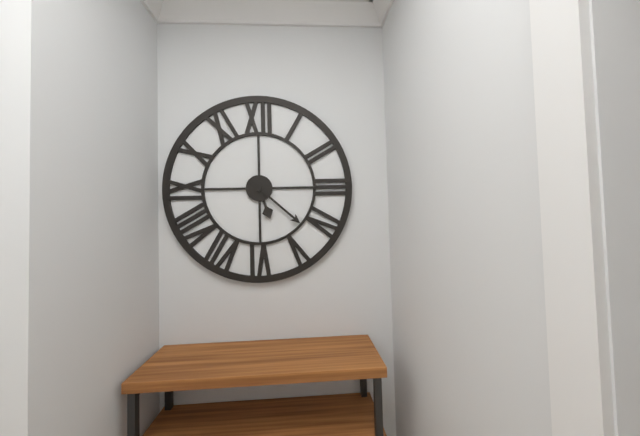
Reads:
h=5 m=22
